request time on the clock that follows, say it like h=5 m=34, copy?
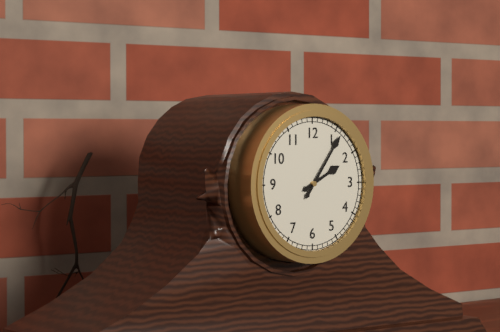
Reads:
h=2 m=6
